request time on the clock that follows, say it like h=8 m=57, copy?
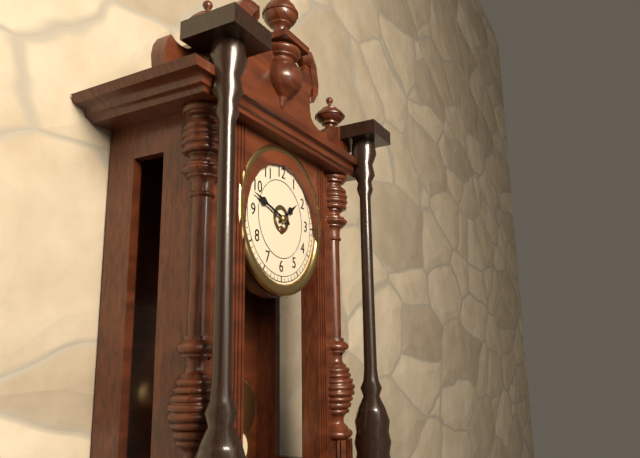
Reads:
h=1 m=48
